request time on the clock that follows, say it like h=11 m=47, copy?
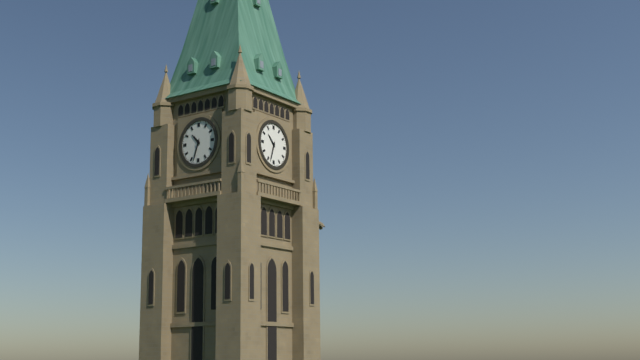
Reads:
h=10 m=33
